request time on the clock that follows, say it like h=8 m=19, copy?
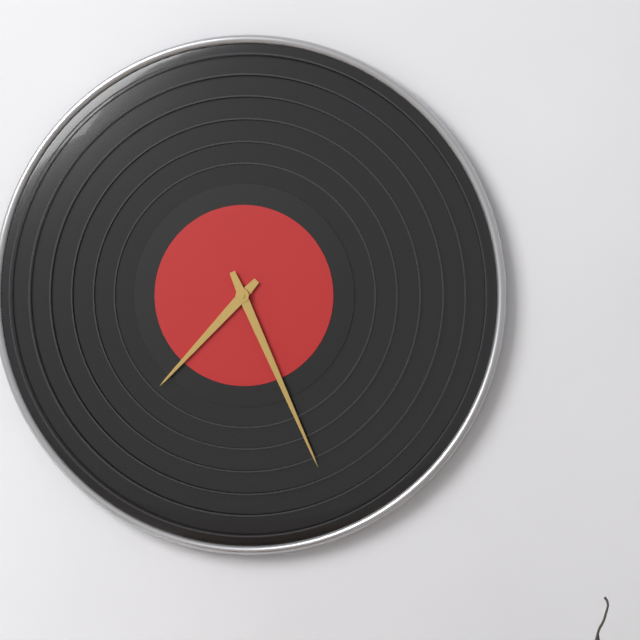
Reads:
h=7 m=26
